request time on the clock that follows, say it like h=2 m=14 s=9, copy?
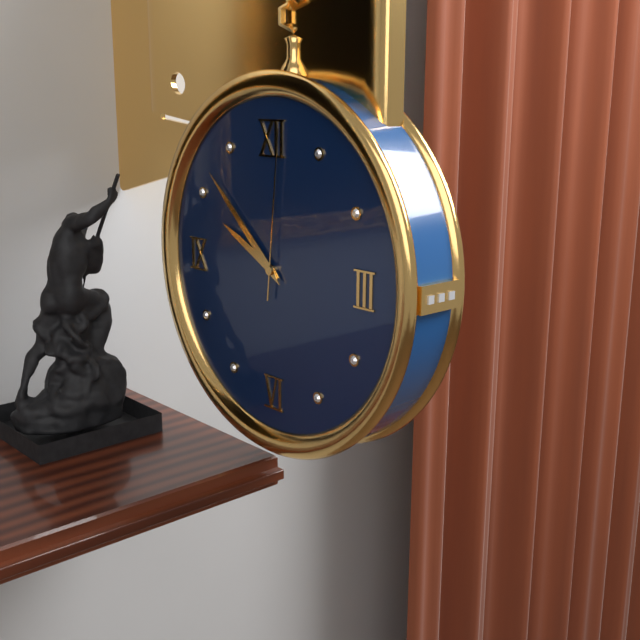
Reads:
h=9 m=52 s=1
